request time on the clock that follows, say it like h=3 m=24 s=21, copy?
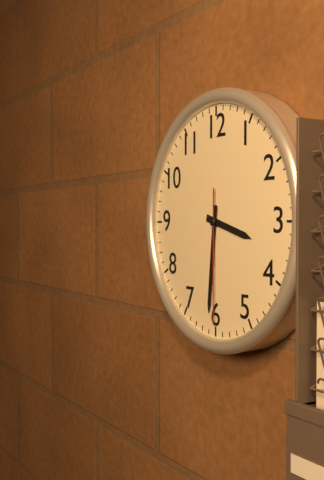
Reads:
h=3 m=31 s=30
